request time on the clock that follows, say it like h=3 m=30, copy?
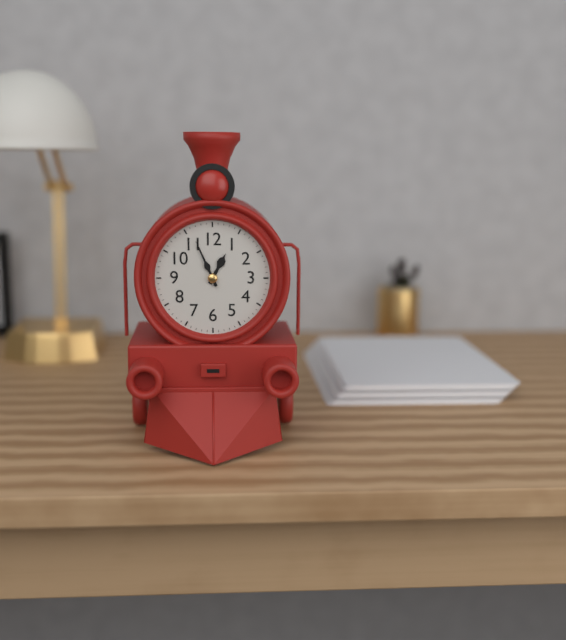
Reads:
h=12 m=56
